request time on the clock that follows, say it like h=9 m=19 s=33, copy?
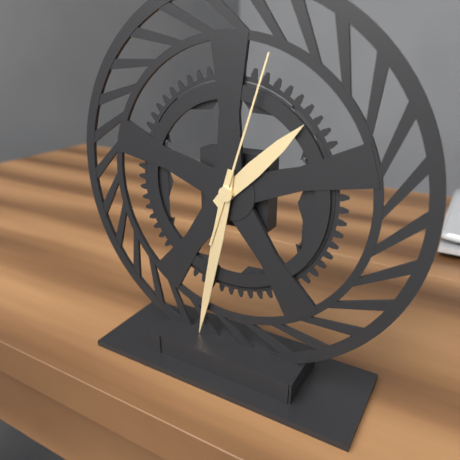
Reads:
h=1 m=32 s=3
